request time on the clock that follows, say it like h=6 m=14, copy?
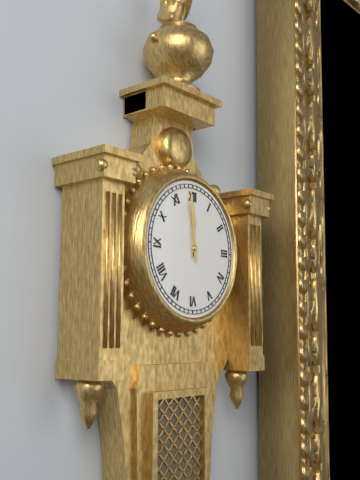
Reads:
h=11 m=59
